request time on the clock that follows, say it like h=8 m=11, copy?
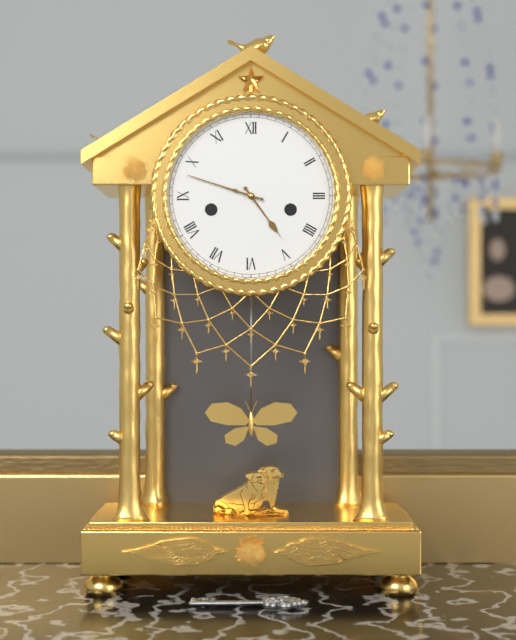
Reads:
h=4 m=48
